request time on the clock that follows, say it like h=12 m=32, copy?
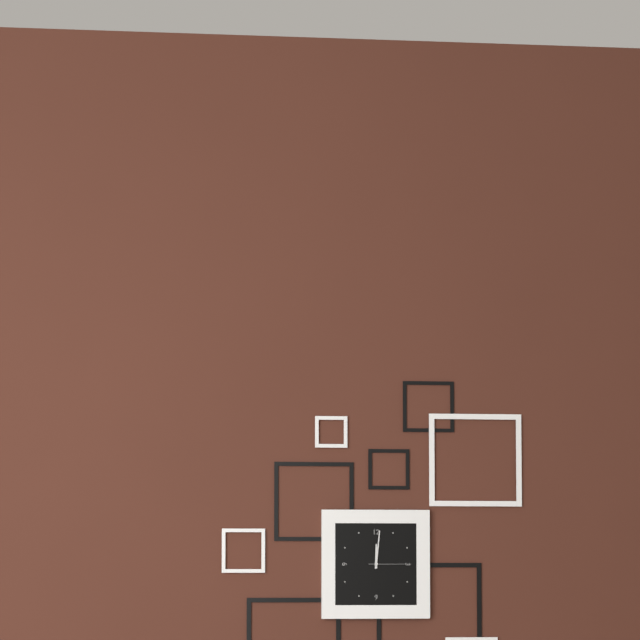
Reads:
h=12 m=1
